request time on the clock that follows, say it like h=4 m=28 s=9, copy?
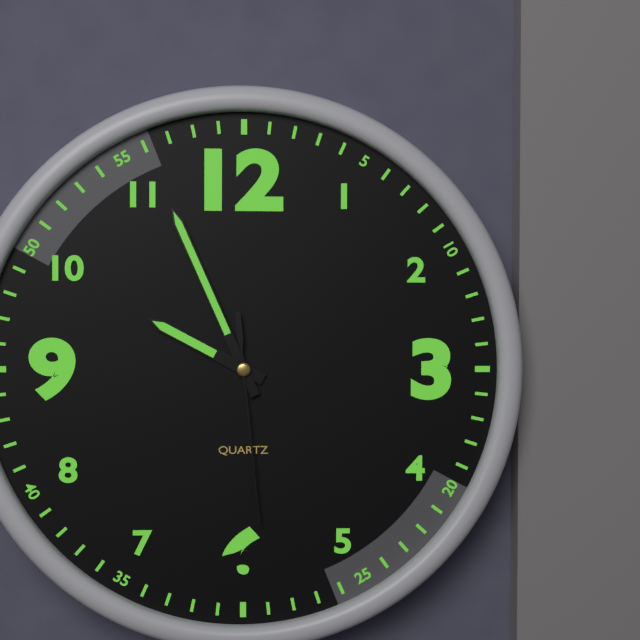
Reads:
h=9 m=56 s=29
